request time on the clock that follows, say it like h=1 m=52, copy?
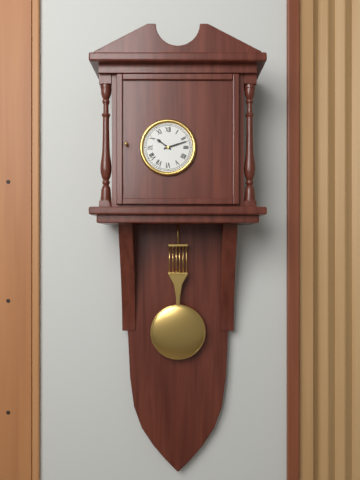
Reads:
h=10 m=12
